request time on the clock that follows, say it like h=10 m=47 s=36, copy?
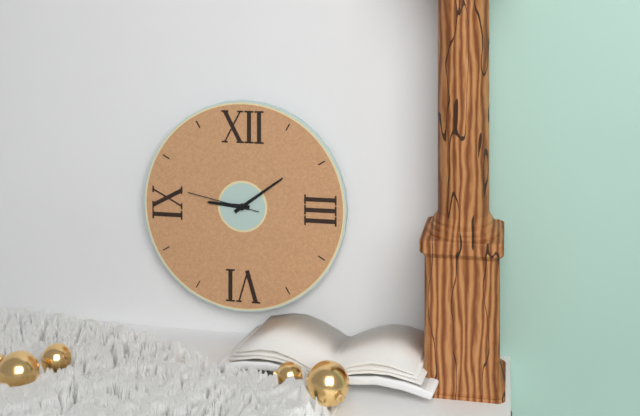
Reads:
h=9 m=9 s=47
